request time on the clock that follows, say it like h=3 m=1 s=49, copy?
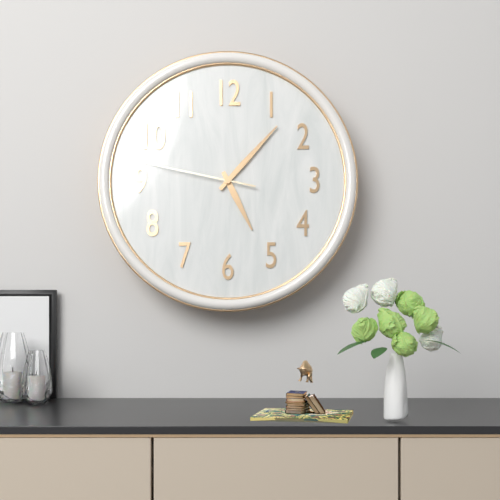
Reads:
h=5 m=7 s=47
